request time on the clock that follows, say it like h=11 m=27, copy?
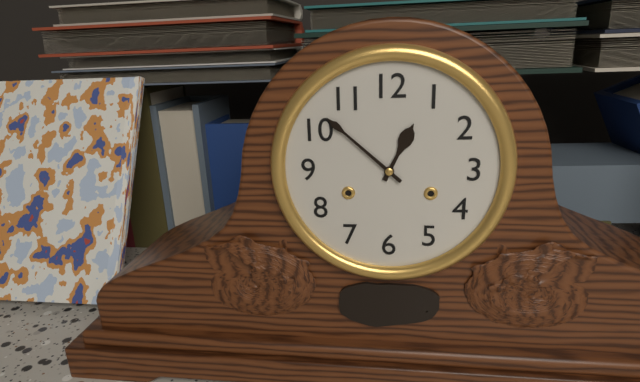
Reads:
h=12 m=52
